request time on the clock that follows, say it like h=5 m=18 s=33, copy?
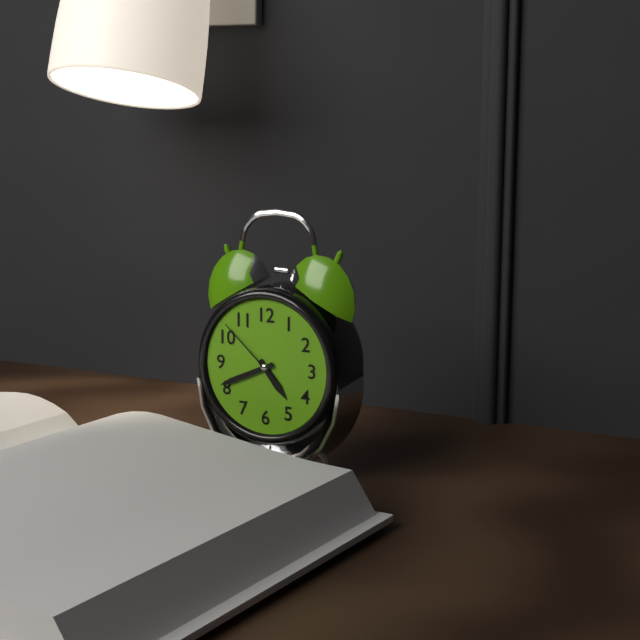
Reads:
h=4 m=41 s=52
